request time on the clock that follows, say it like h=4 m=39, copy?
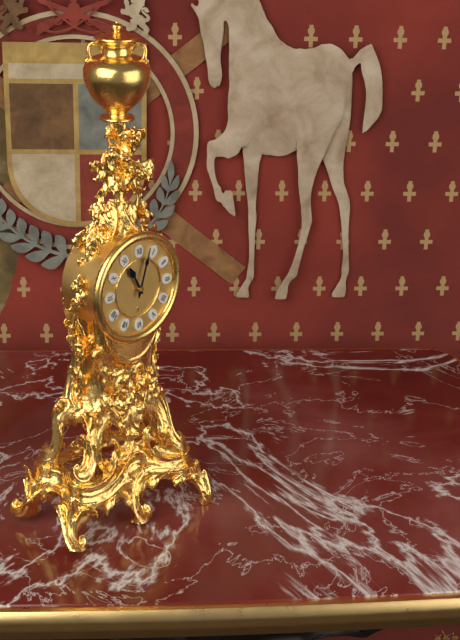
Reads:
h=11 m=3
